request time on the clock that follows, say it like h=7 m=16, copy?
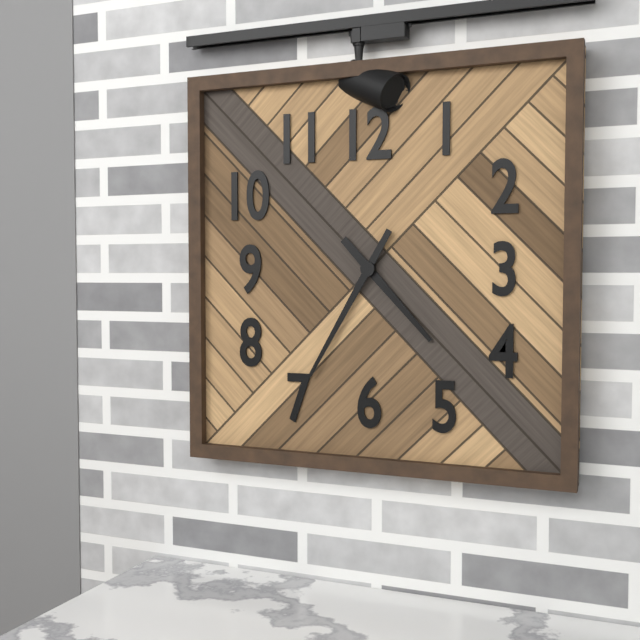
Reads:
h=4 m=35
